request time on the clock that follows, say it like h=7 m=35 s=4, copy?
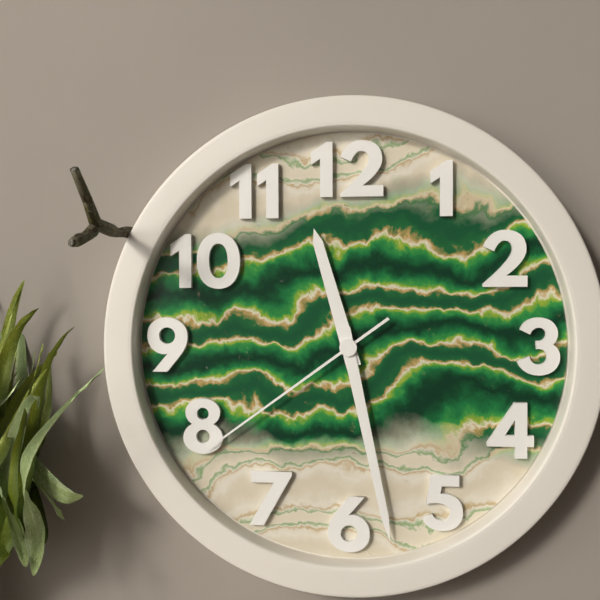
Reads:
h=11 m=28 s=39
